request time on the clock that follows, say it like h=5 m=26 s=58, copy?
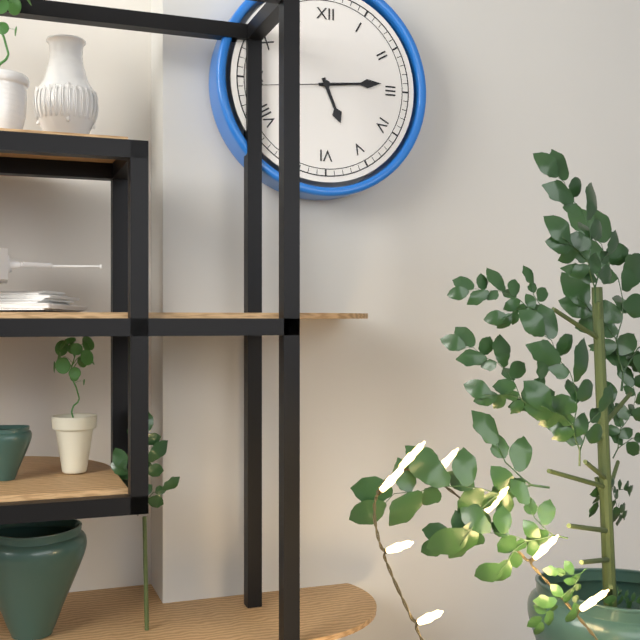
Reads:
h=5 m=14 s=44
